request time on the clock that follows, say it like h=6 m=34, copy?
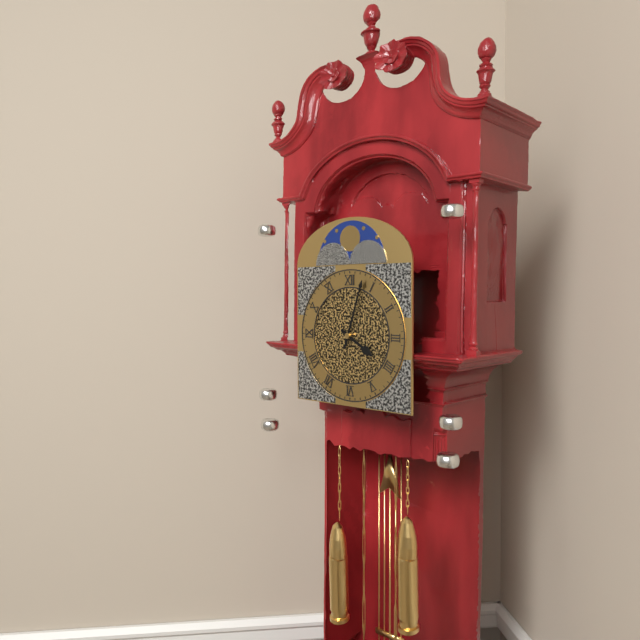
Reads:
h=4 m=3
